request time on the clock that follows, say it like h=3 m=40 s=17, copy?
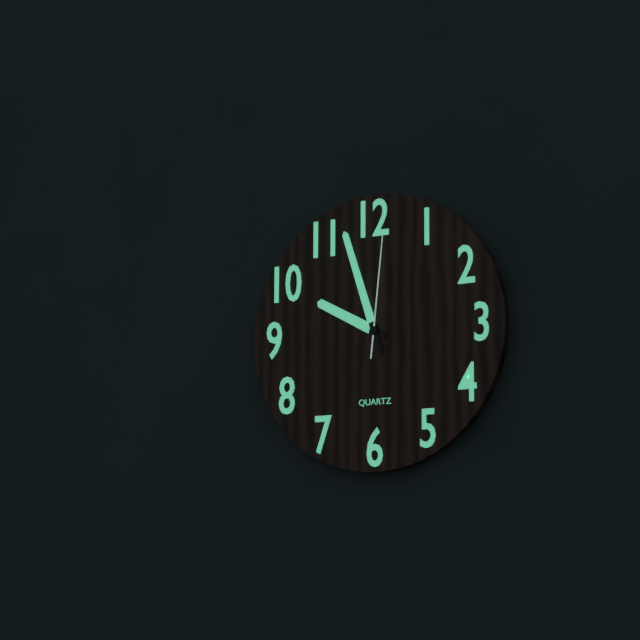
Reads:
h=9 m=57 s=1
